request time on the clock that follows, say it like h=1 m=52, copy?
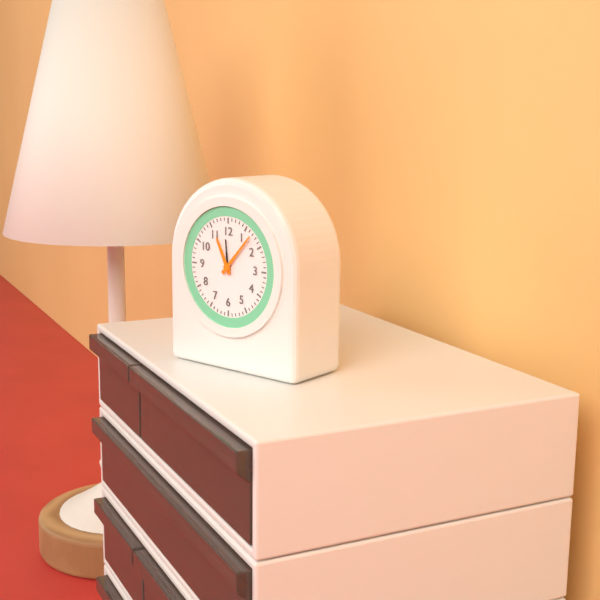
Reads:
h=11 m=7
